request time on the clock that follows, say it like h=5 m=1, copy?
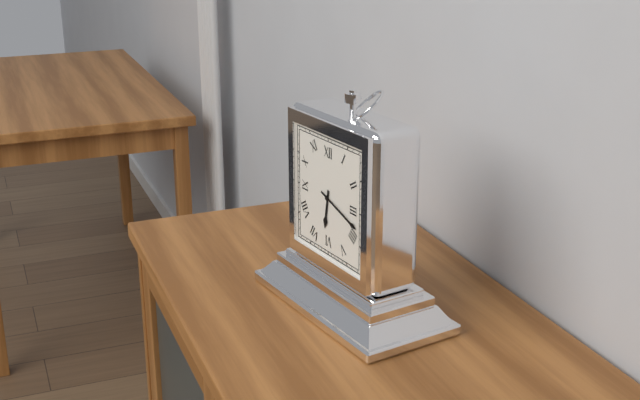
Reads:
h=6 m=18
